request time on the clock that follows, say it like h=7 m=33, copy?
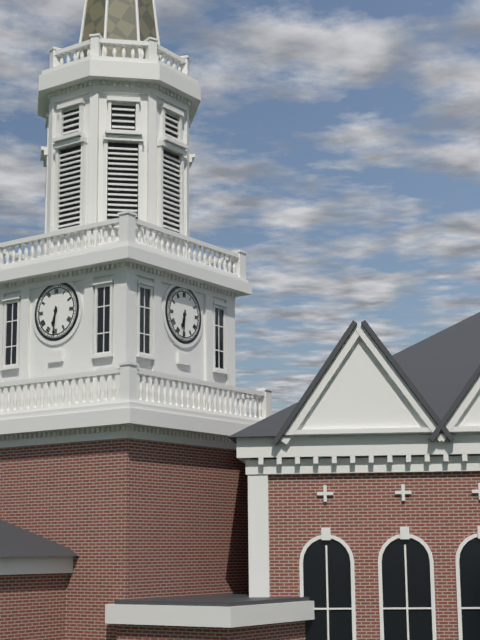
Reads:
h=6 m=31
